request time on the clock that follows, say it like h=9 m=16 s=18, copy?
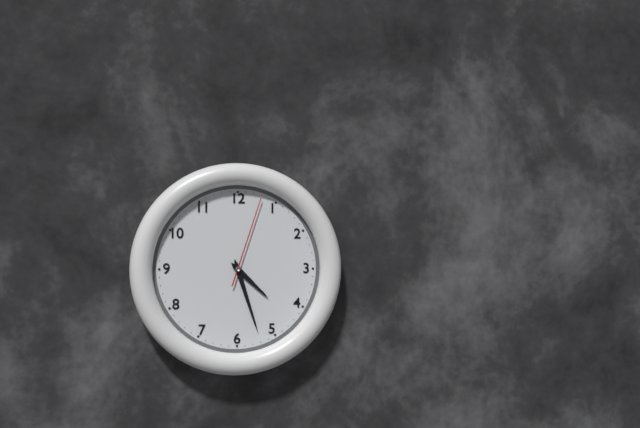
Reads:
h=4 m=27 s=3
